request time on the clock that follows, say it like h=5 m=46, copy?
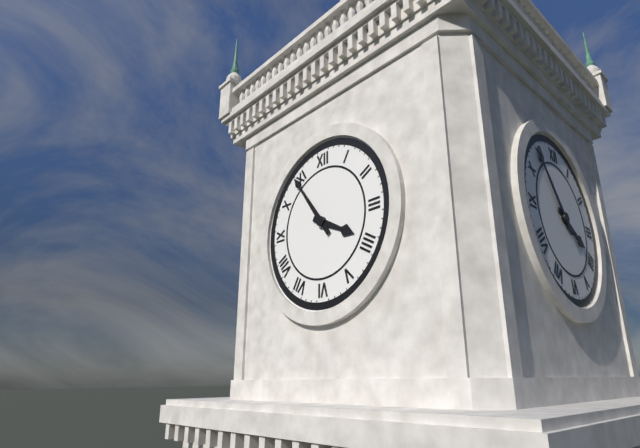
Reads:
h=3 m=54
